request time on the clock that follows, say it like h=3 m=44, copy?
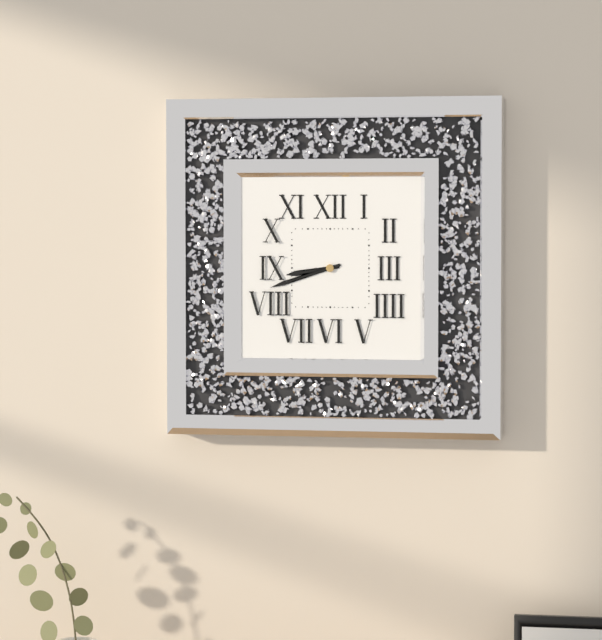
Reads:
h=8 m=42
